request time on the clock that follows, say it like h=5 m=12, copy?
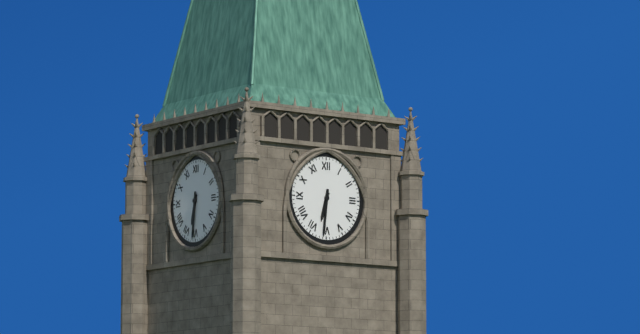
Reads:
h=6 m=31
